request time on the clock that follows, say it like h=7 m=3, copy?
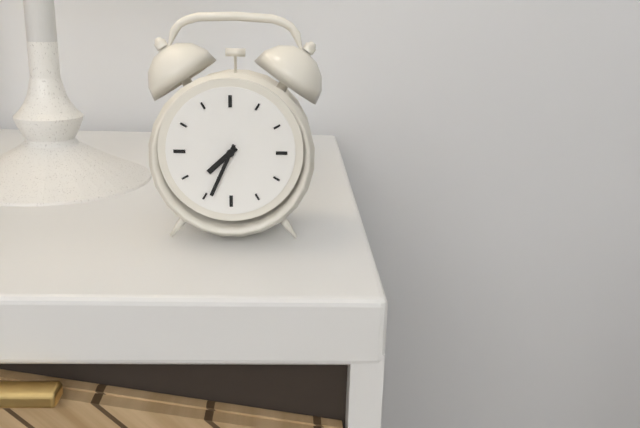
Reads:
h=7 m=34
